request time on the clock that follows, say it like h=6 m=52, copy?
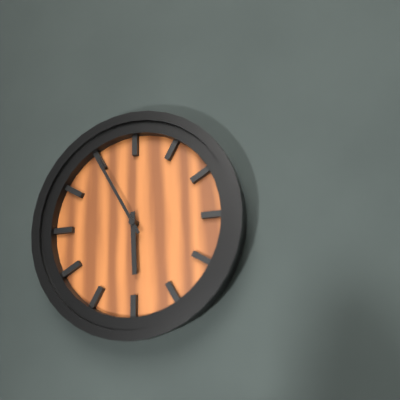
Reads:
h=5 m=55
